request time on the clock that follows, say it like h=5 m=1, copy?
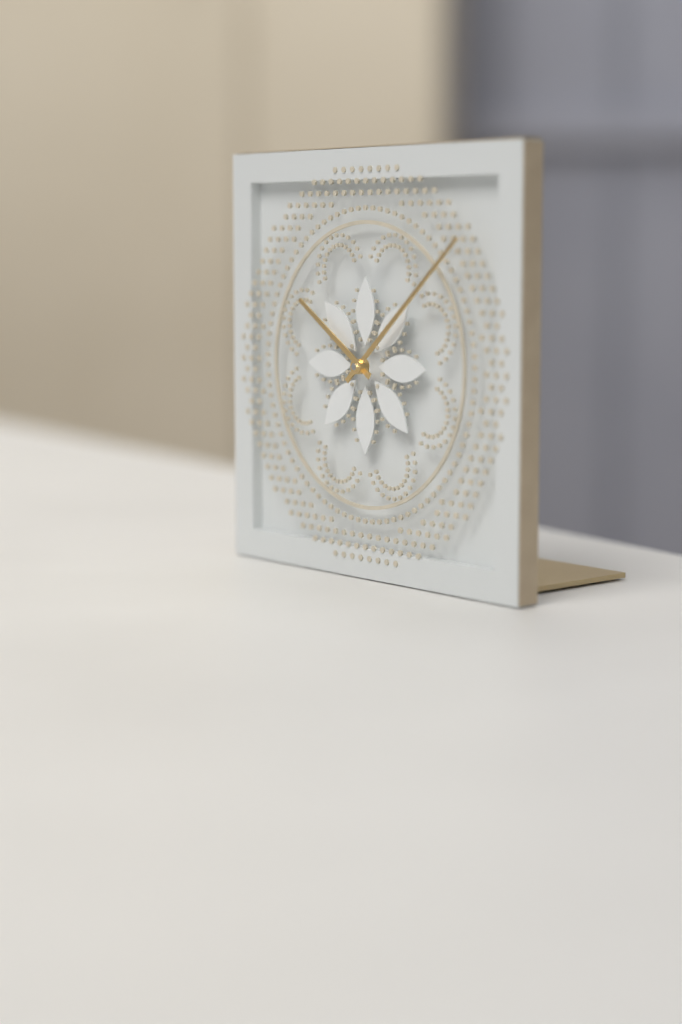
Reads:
h=10 m=8
